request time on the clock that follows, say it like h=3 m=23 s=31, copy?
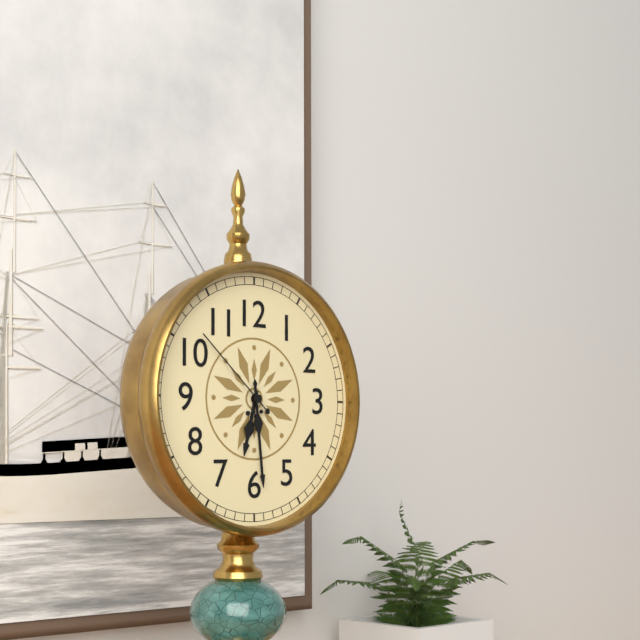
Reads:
h=6 m=29 s=52
